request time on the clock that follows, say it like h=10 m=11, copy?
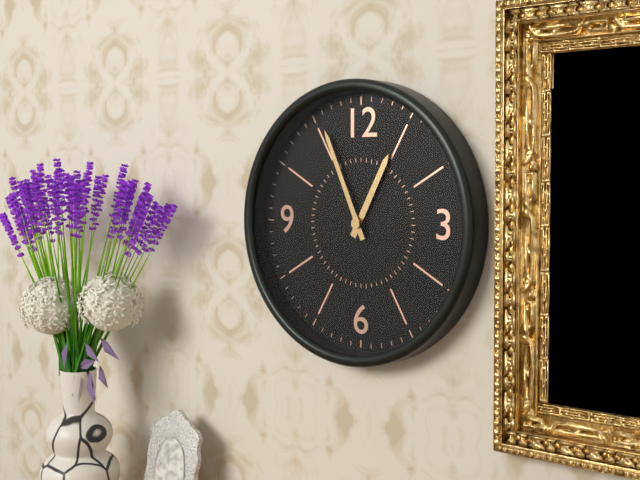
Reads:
h=12 m=56
